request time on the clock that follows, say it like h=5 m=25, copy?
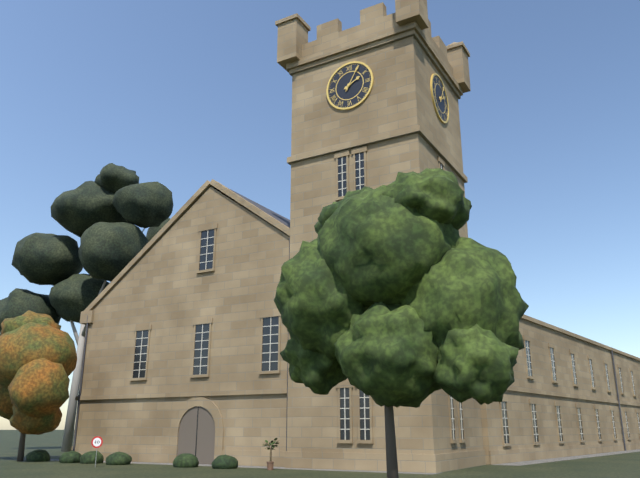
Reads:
h=2 m=5
